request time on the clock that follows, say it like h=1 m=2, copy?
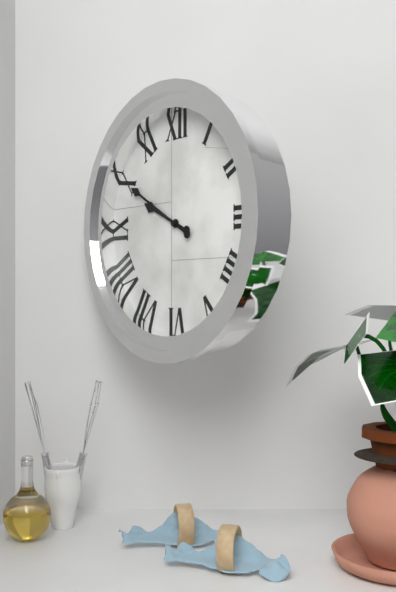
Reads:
h=9 m=50
